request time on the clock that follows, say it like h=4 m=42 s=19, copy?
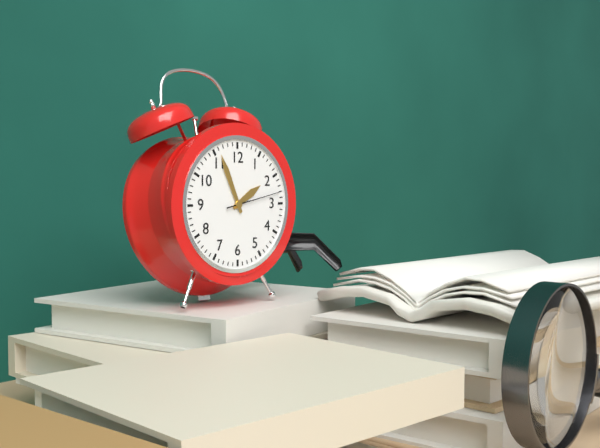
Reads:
h=1 m=56 s=13
